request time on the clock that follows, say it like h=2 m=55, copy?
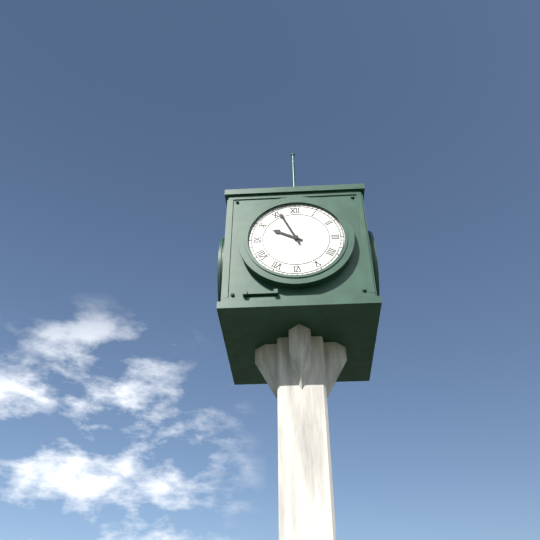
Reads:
h=9 m=56
